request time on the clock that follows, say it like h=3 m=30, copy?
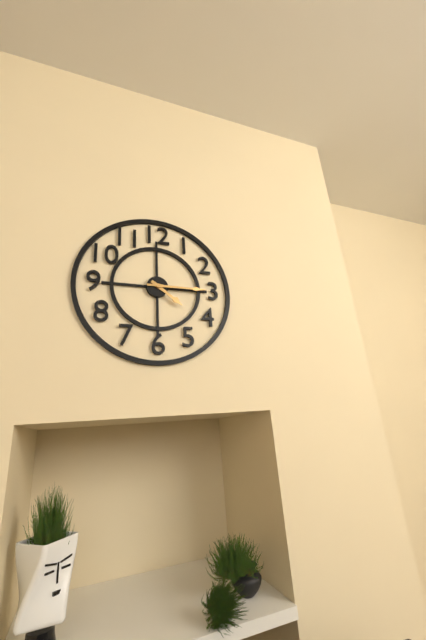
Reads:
h=4 m=15
